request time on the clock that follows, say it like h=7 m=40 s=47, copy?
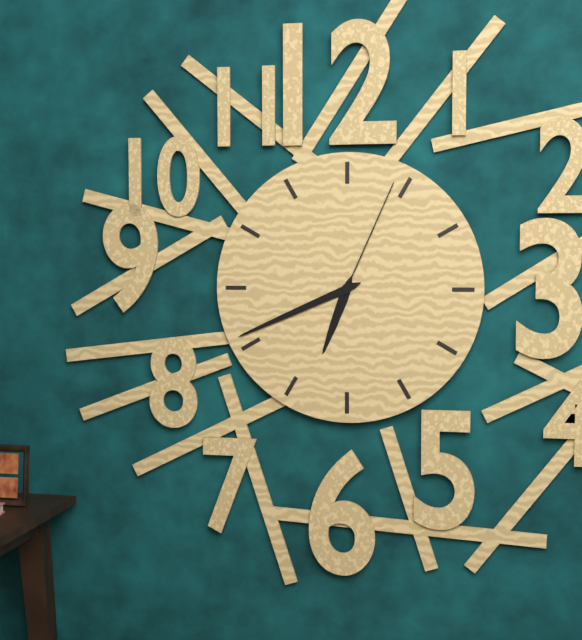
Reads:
h=6 m=41 s=4
